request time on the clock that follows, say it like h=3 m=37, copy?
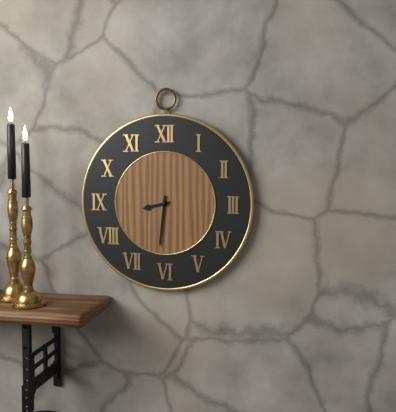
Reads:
h=8 m=31
